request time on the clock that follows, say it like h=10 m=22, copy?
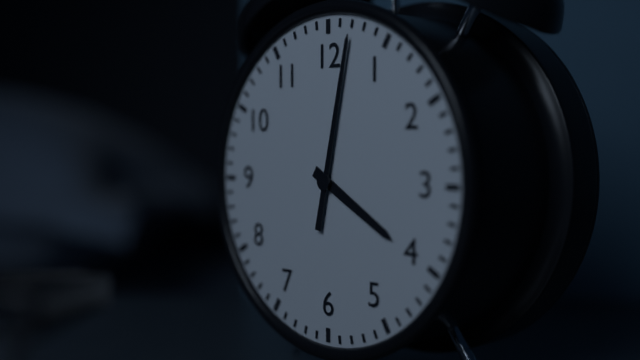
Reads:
h=4 m=2
